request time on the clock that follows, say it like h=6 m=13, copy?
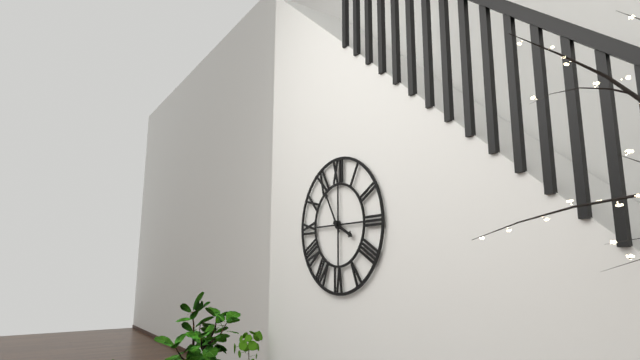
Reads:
h=3 m=55
